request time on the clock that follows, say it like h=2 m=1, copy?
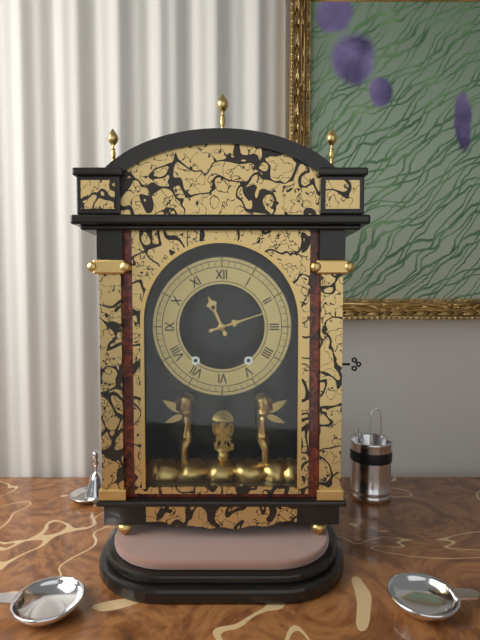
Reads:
h=11 m=12
